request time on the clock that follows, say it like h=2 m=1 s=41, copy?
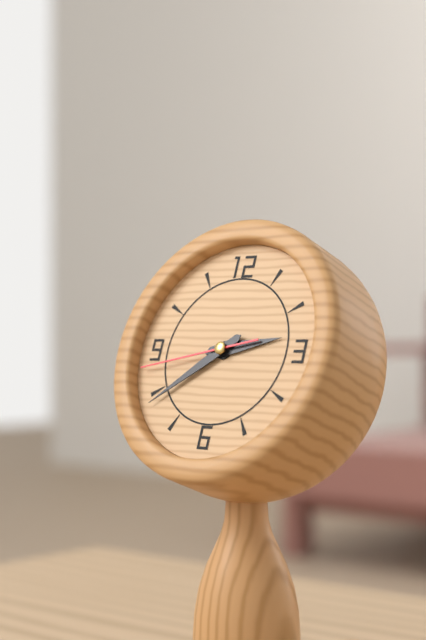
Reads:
h=2 m=39 s=43
